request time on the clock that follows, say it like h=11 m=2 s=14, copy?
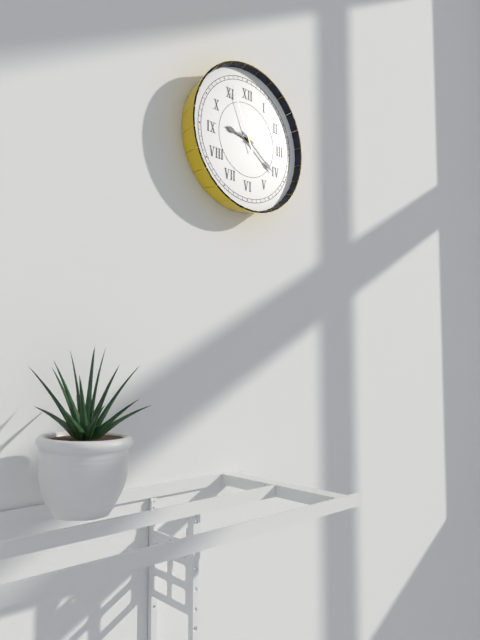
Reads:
h=9 m=21 s=56
